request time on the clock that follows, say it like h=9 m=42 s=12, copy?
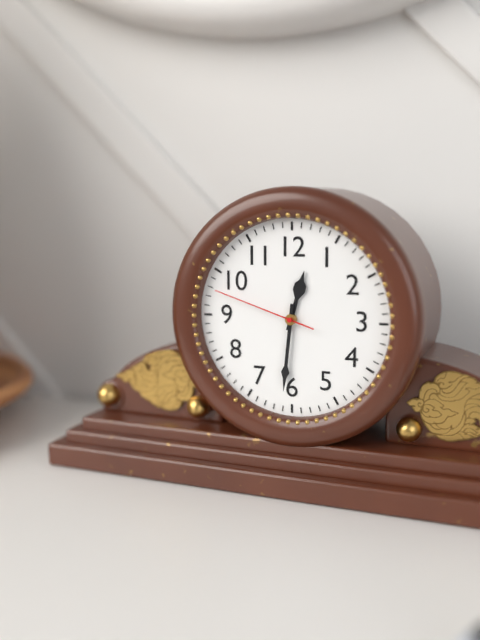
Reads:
h=12 m=31 s=48
